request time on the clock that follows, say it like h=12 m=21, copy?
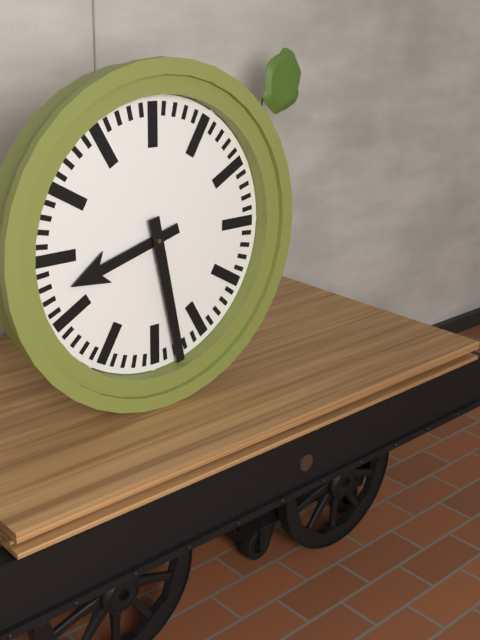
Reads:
h=8 m=28
